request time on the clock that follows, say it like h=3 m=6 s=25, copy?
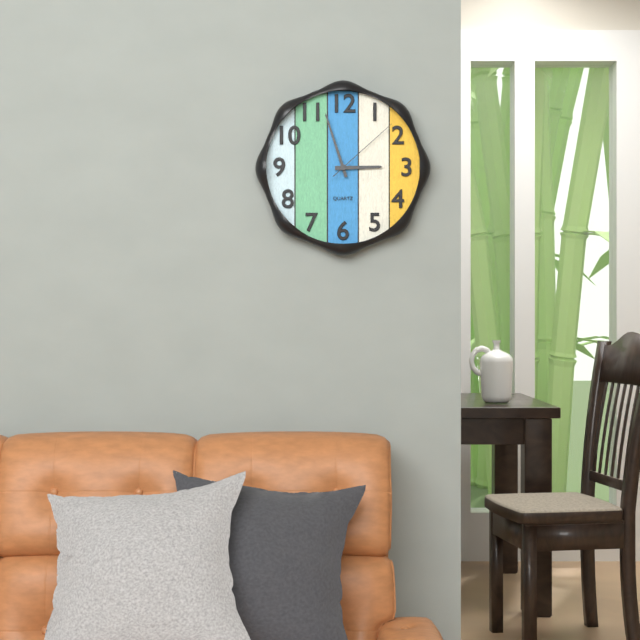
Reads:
h=2 m=57 s=8
